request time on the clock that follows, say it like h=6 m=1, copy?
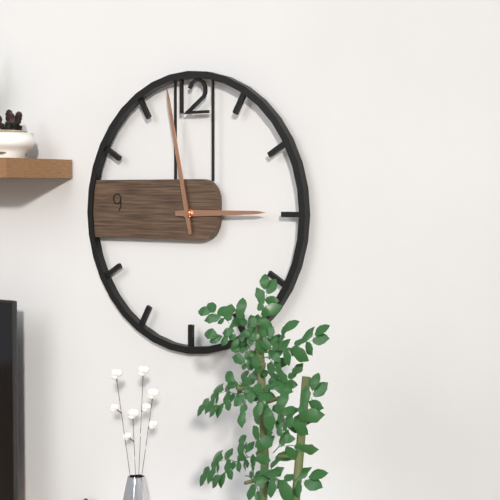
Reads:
h=2 m=58
